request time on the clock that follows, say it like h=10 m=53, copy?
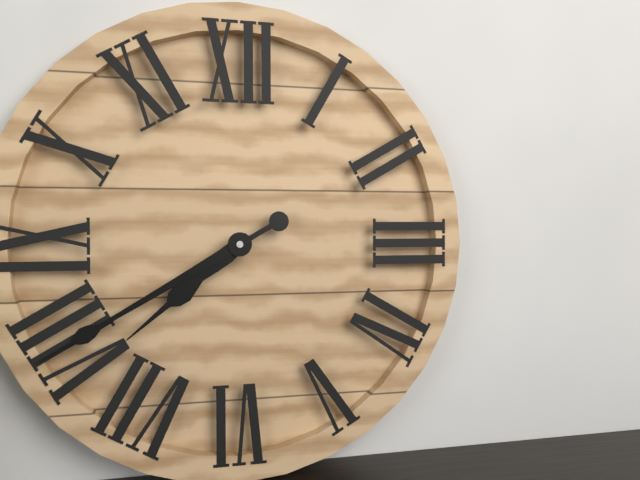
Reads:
h=7 m=40
